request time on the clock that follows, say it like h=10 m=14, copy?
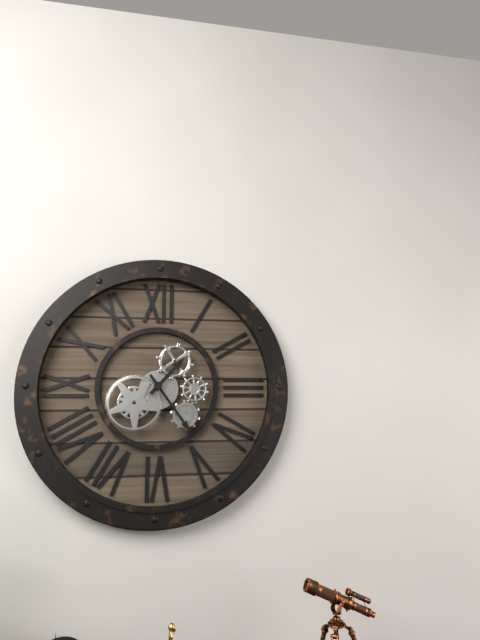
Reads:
h=1 m=24
